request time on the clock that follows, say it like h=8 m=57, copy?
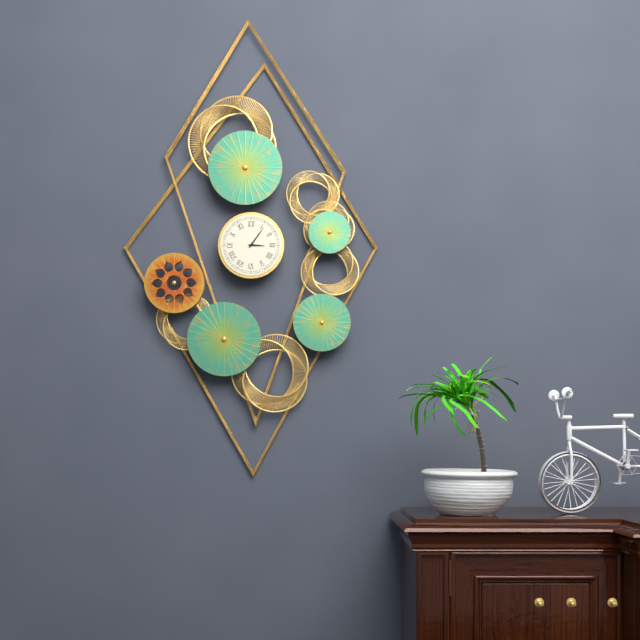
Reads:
h=3 m=6
